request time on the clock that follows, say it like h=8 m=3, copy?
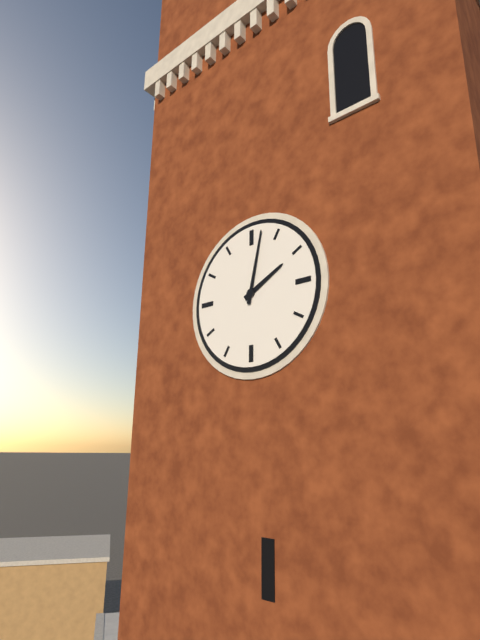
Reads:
h=2 m=2
